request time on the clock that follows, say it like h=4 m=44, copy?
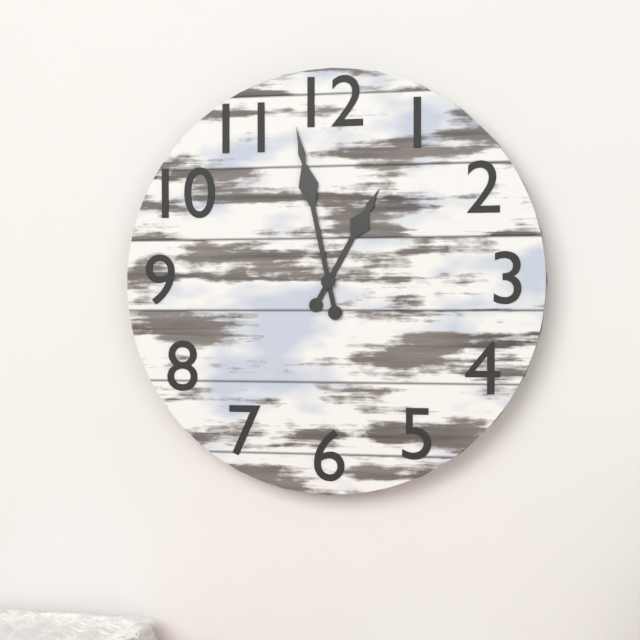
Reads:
h=12 m=58
